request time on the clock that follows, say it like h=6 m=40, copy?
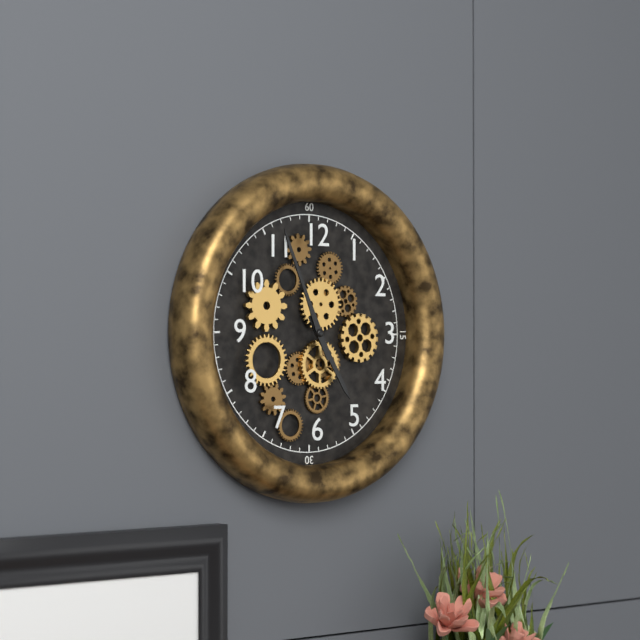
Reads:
h=4 m=56
